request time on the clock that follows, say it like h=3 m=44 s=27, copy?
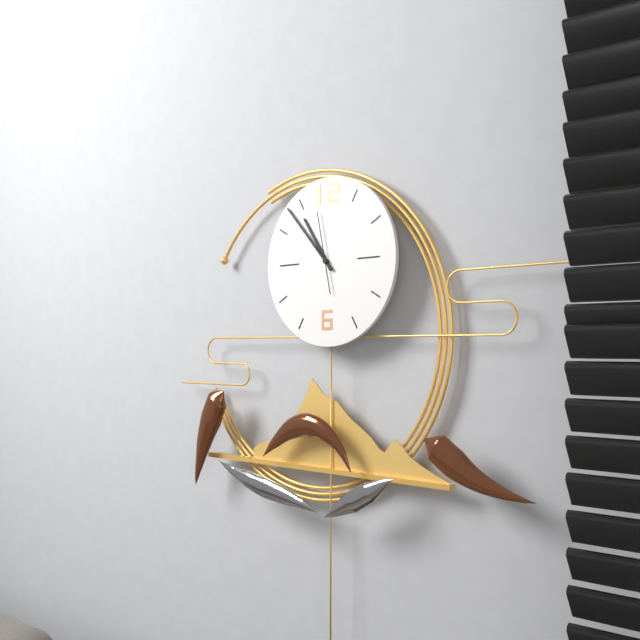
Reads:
h=10 m=53 s=58
